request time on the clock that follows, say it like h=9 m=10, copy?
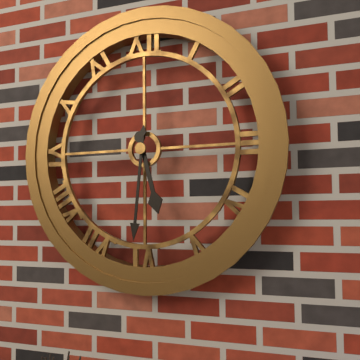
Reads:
h=5 m=31
